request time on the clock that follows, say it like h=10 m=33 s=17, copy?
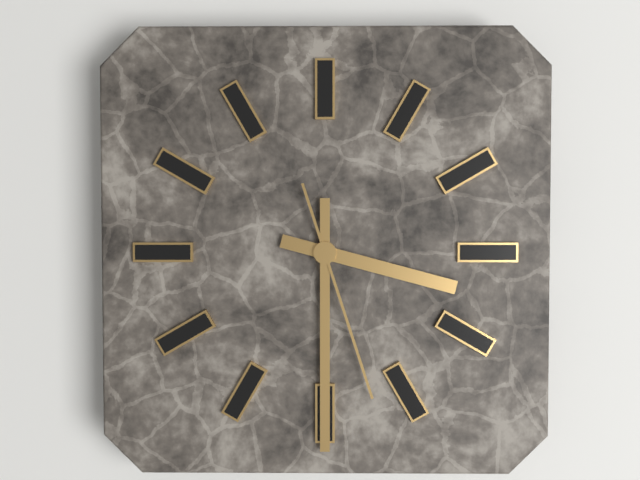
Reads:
h=3 m=30 s=27
